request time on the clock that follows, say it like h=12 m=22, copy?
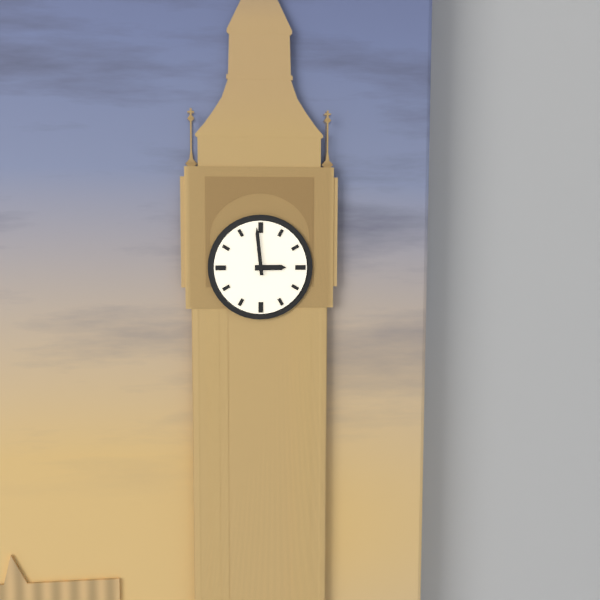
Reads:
h=2 m=59
